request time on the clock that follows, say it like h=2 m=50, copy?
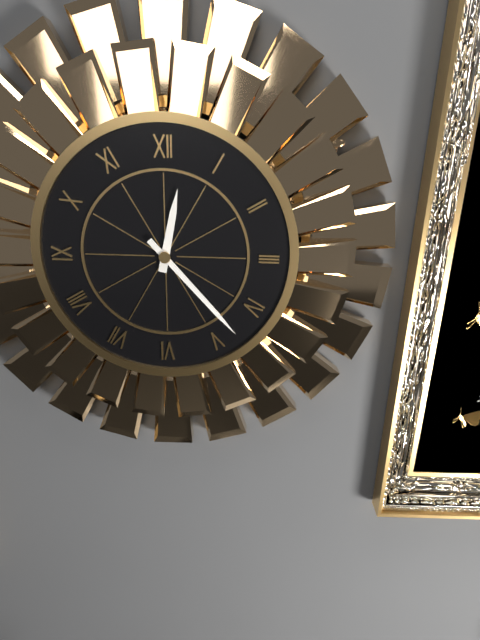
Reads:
h=12 m=23
